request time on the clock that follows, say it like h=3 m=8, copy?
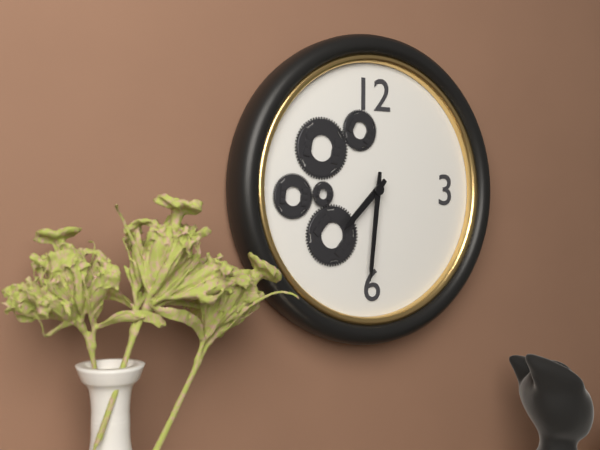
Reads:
h=7 m=31
